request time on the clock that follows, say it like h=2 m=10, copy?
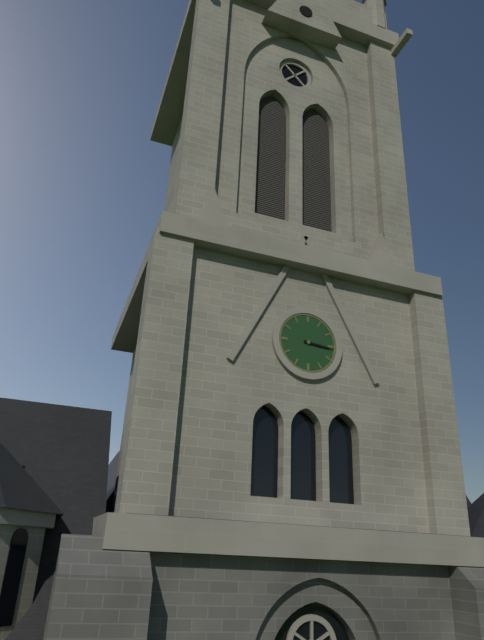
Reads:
h=3 m=16
